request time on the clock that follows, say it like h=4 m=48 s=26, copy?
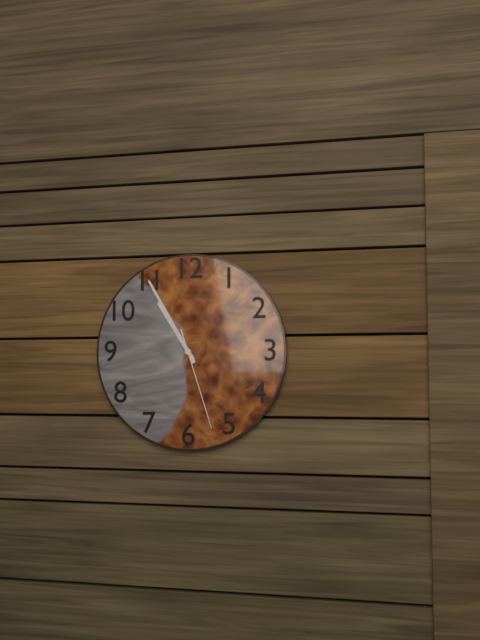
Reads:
h=10 m=55 s=27
